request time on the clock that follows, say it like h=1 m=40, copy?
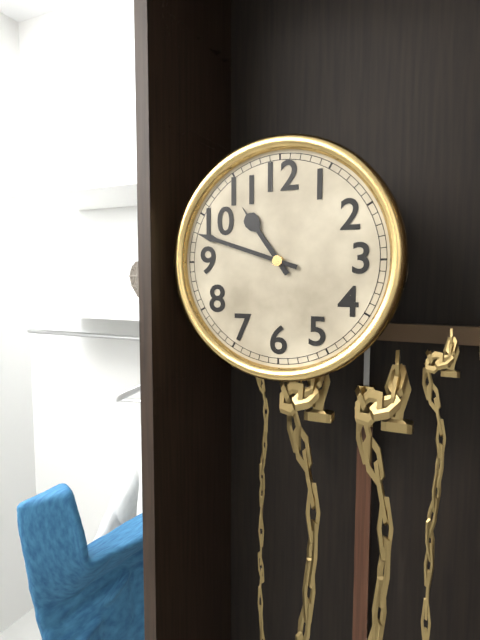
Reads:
h=10 m=48
